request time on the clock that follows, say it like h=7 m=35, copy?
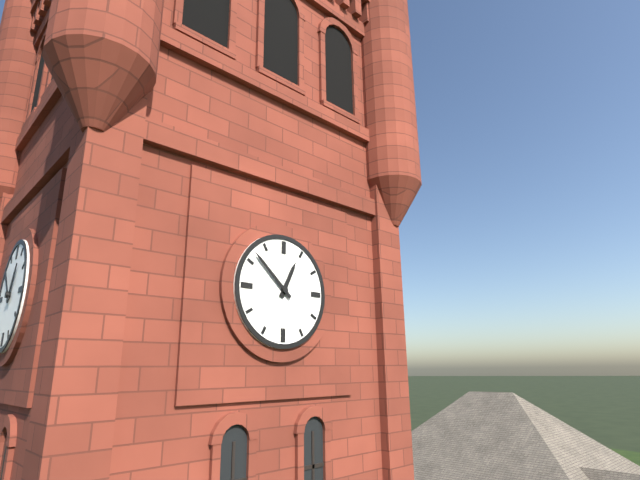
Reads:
h=12 m=52
